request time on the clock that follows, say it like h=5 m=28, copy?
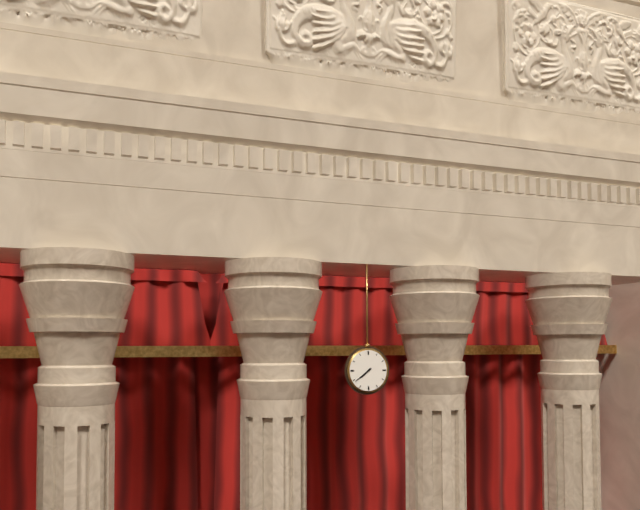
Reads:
h=7 m=39
